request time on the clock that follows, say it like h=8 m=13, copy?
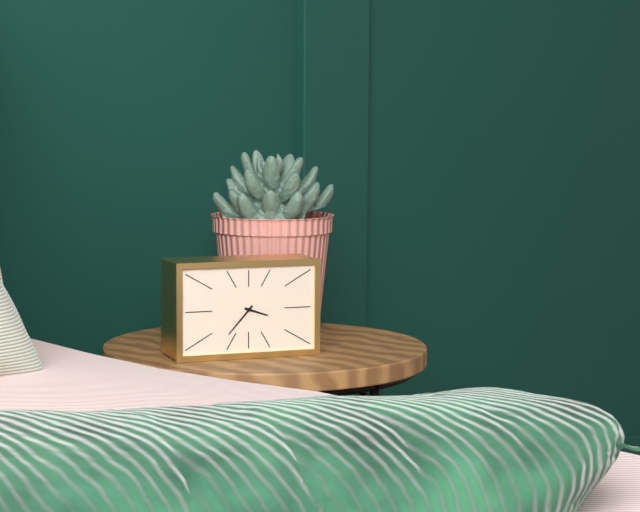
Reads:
h=3 m=37
